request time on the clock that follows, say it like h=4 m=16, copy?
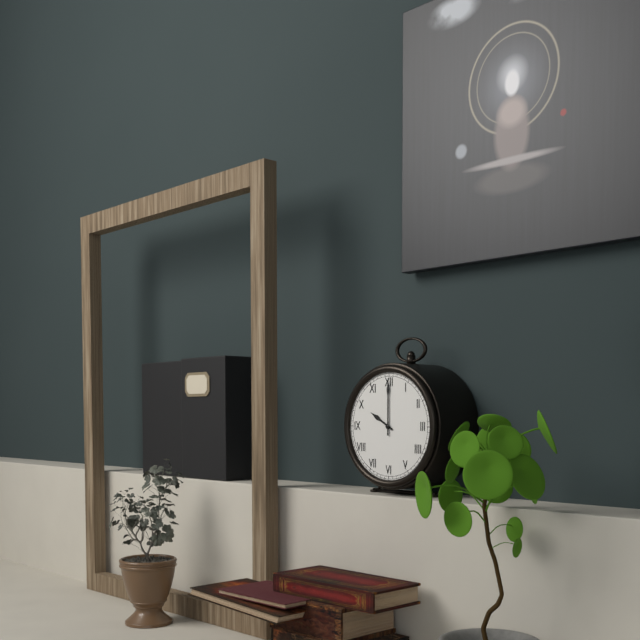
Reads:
h=10 m=0
